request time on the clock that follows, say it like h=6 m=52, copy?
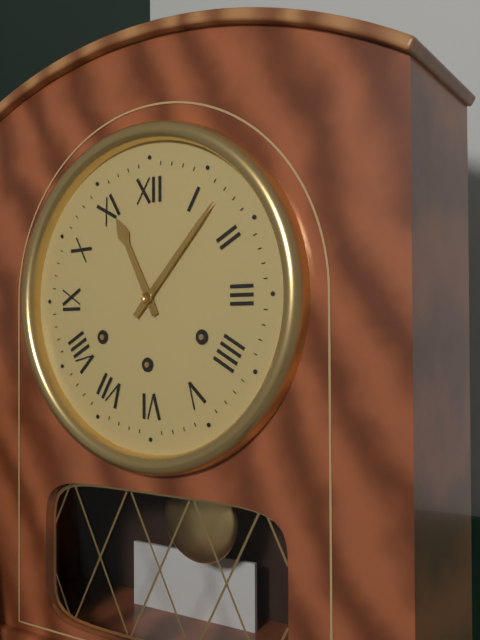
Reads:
h=11 m=7
